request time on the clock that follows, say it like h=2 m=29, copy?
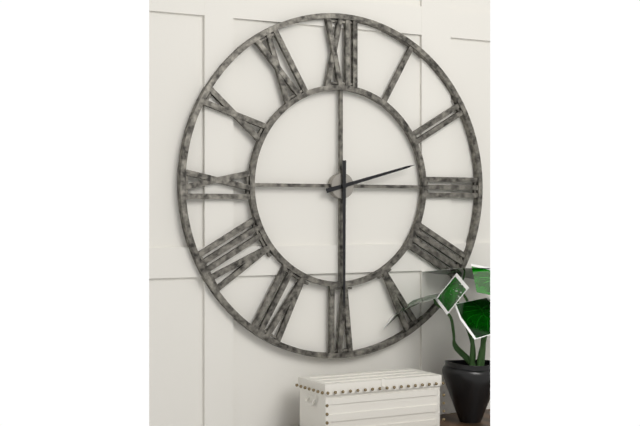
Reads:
h=2 m=30
